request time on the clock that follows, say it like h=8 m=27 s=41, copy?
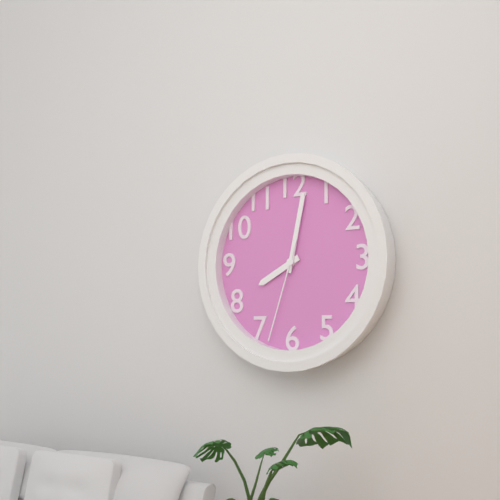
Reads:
h=8 m=2 s=33
